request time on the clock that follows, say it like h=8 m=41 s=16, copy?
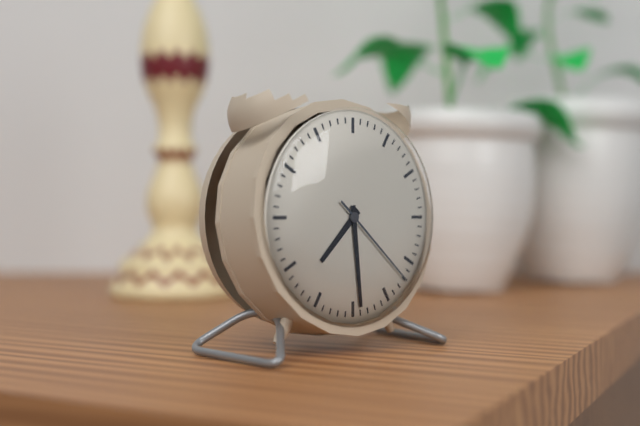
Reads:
h=7 m=29 s=22
